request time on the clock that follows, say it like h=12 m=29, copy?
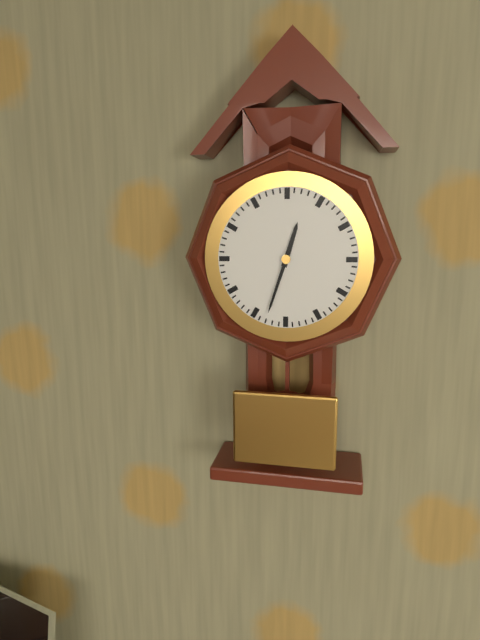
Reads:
h=12 m=33
